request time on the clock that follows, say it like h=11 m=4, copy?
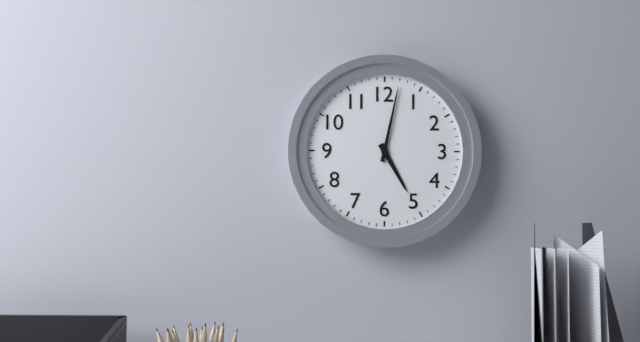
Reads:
h=5 m=2
